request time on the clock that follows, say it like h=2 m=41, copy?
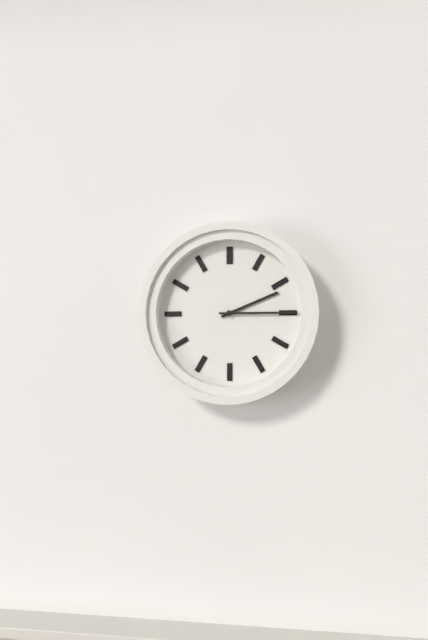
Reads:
h=2 m=15
